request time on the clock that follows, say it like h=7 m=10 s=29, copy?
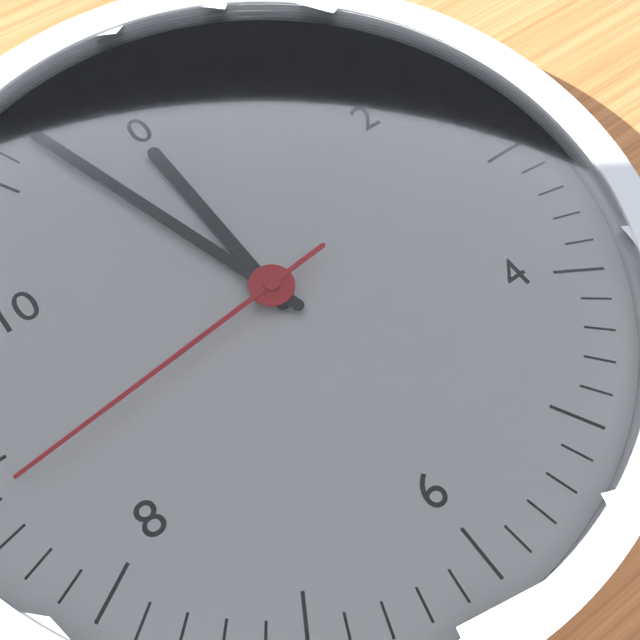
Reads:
h=11 m=57 s=44
